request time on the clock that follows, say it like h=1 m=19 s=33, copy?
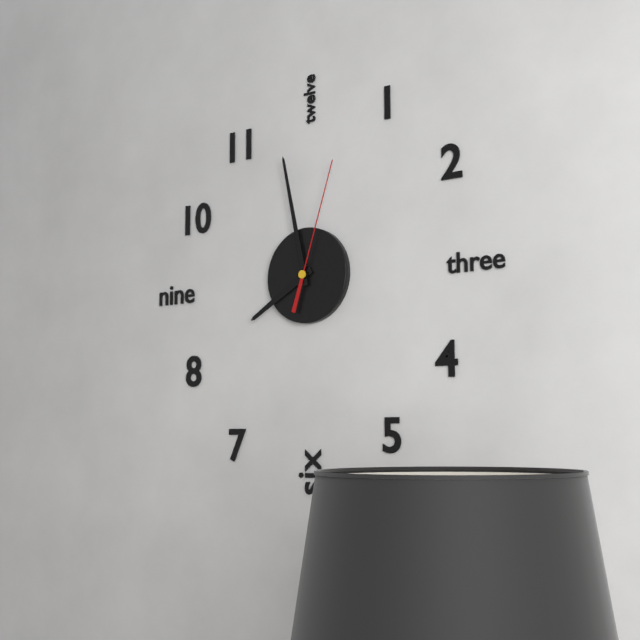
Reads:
h=7 m=58 s=3
